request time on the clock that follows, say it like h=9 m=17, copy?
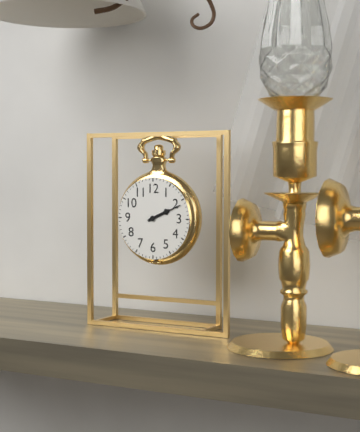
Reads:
h=2 m=11
